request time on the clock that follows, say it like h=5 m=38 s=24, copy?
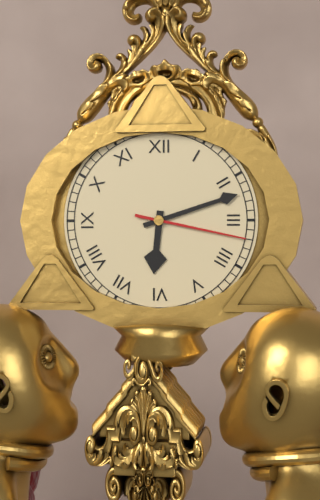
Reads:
h=6 m=12 s=17
